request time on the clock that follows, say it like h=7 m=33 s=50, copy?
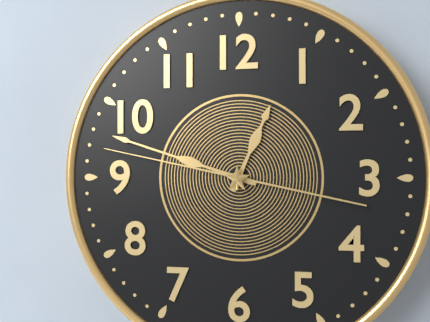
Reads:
h=12 m=48 s=47
